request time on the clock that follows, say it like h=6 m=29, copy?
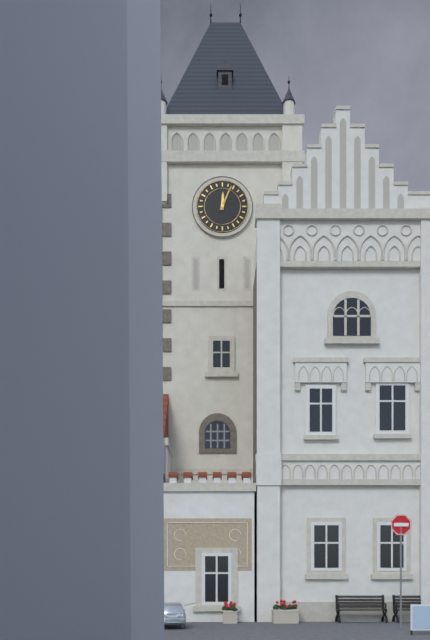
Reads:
h=12 m=4
